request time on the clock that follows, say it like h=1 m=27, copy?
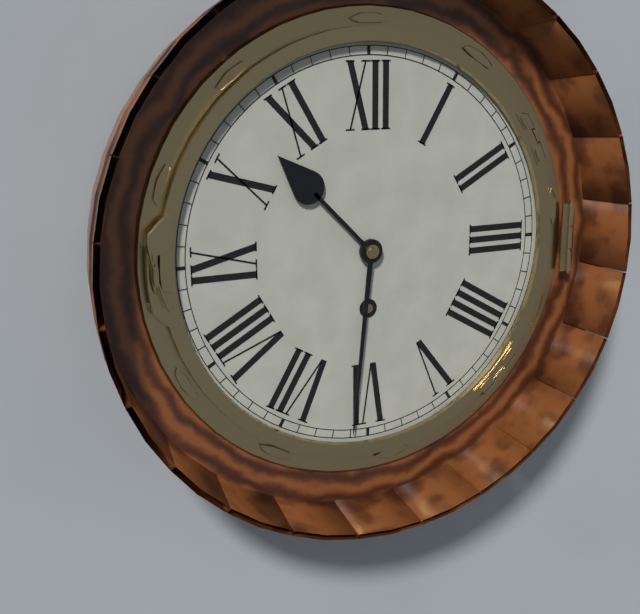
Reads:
h=10 m=31
